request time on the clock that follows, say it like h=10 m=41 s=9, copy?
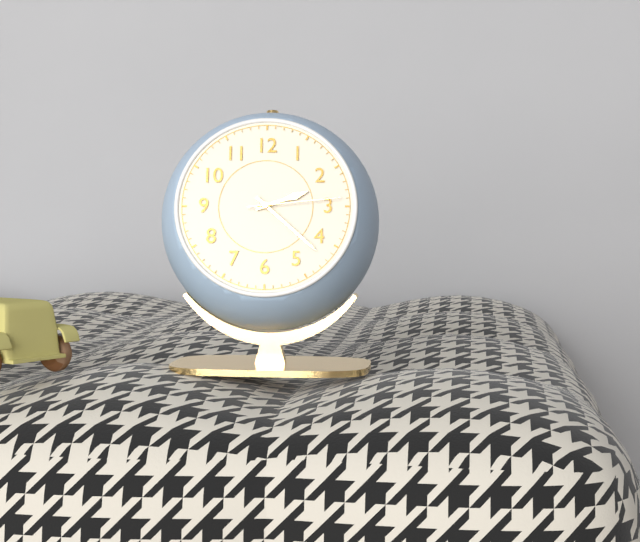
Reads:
h=2 m=22 s=14
